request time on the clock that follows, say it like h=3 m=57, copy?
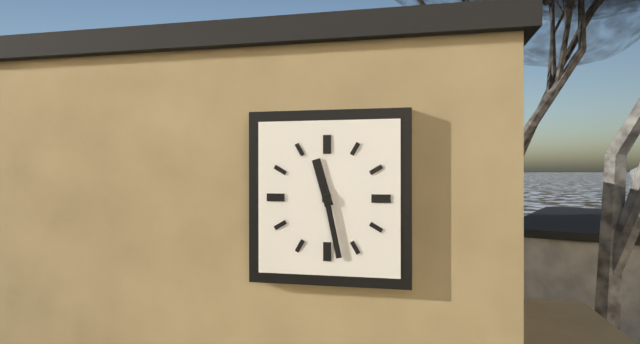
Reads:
h=11 m=28
